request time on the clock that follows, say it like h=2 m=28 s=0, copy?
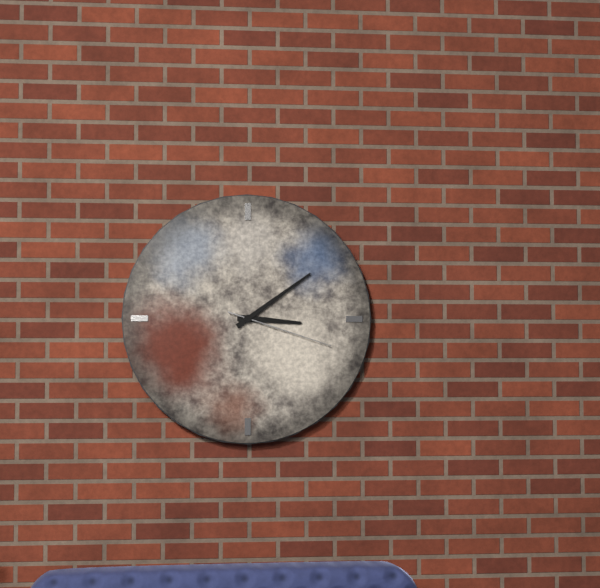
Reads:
h=3 m=9 s=18
